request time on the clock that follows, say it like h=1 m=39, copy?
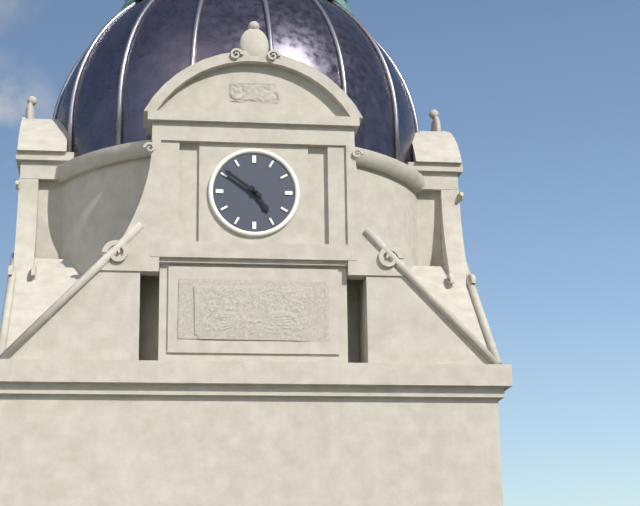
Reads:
h=4 m=51
